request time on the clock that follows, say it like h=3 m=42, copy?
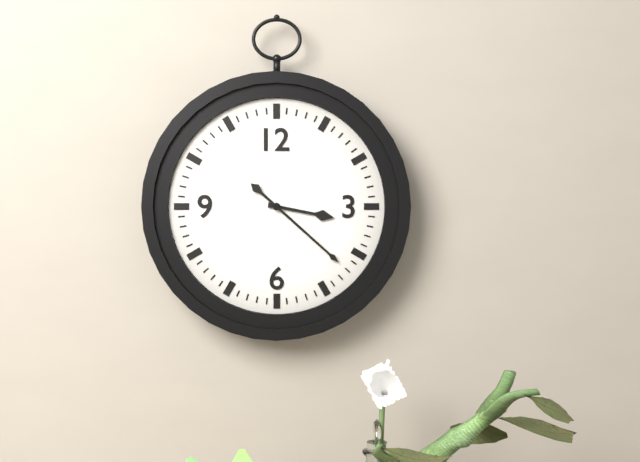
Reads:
h=3 m=22
